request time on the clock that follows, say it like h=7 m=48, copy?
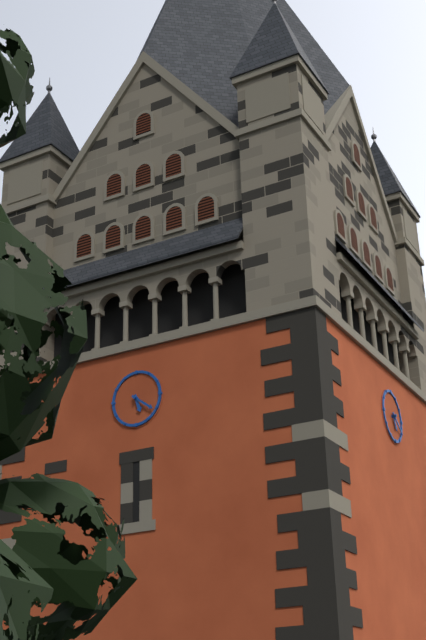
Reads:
h=5 m=21
